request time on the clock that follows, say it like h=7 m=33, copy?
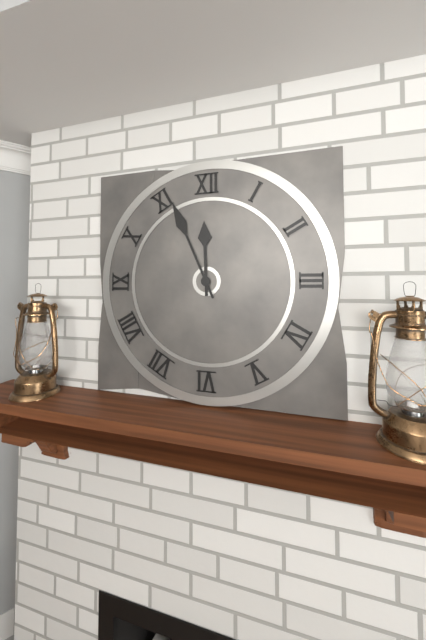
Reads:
h=11 m=56
